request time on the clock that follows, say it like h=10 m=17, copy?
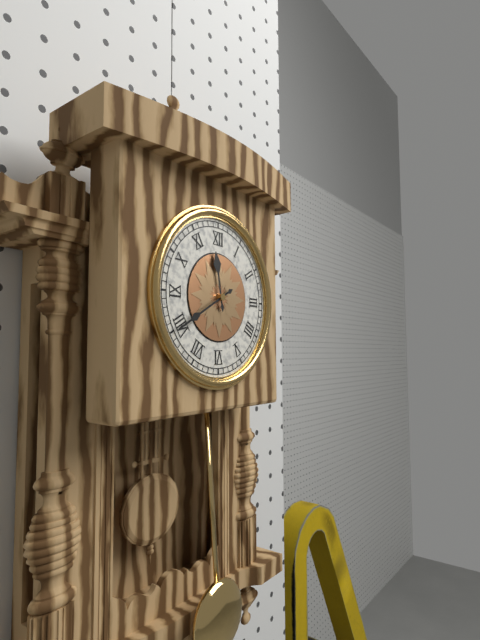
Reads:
h=11 m=40
